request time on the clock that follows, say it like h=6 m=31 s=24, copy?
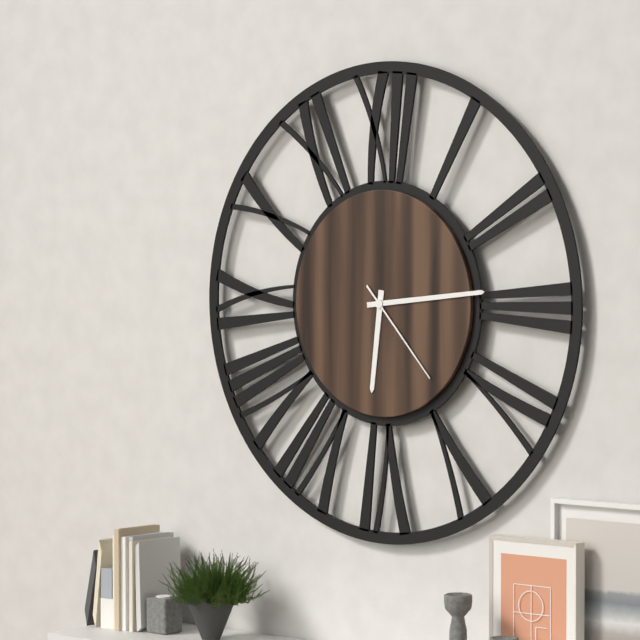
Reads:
h=6 m=14 s=23
